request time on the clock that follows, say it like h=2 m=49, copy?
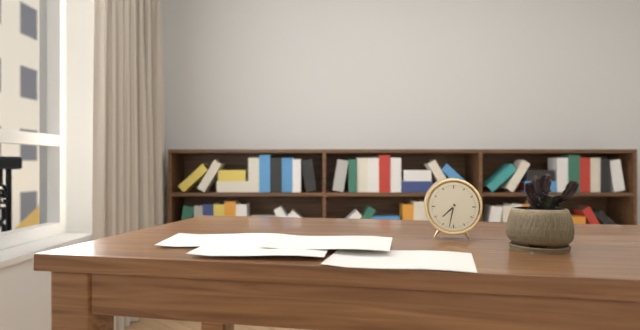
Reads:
h=7 m=32
